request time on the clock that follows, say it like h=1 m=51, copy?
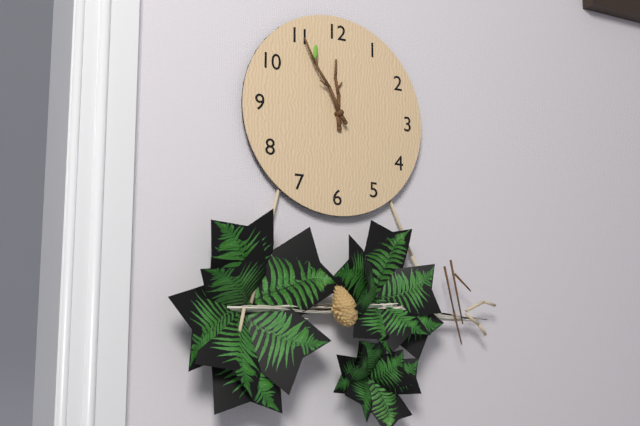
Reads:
h=11 m=55
